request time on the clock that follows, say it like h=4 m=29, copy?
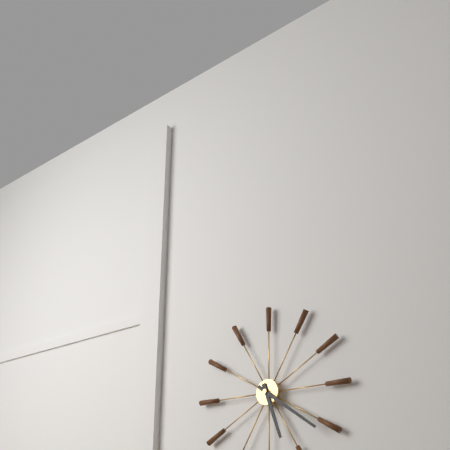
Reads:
h=5 m=21
